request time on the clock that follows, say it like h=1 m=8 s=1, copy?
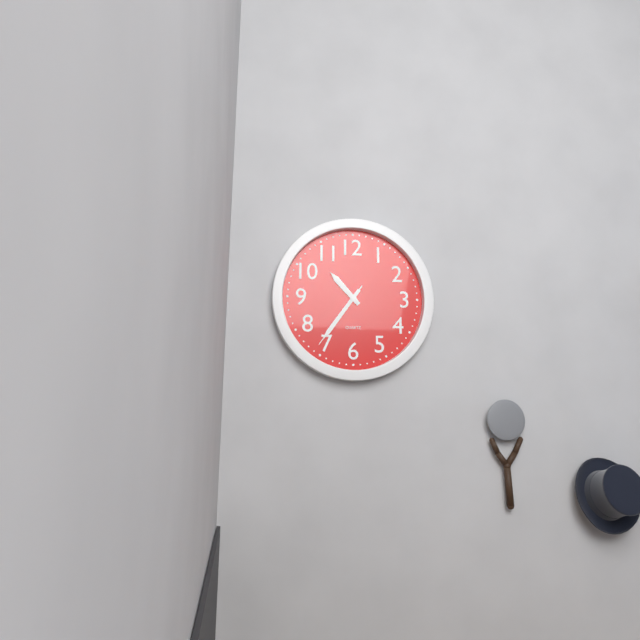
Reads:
h=10 m=36 s=36
